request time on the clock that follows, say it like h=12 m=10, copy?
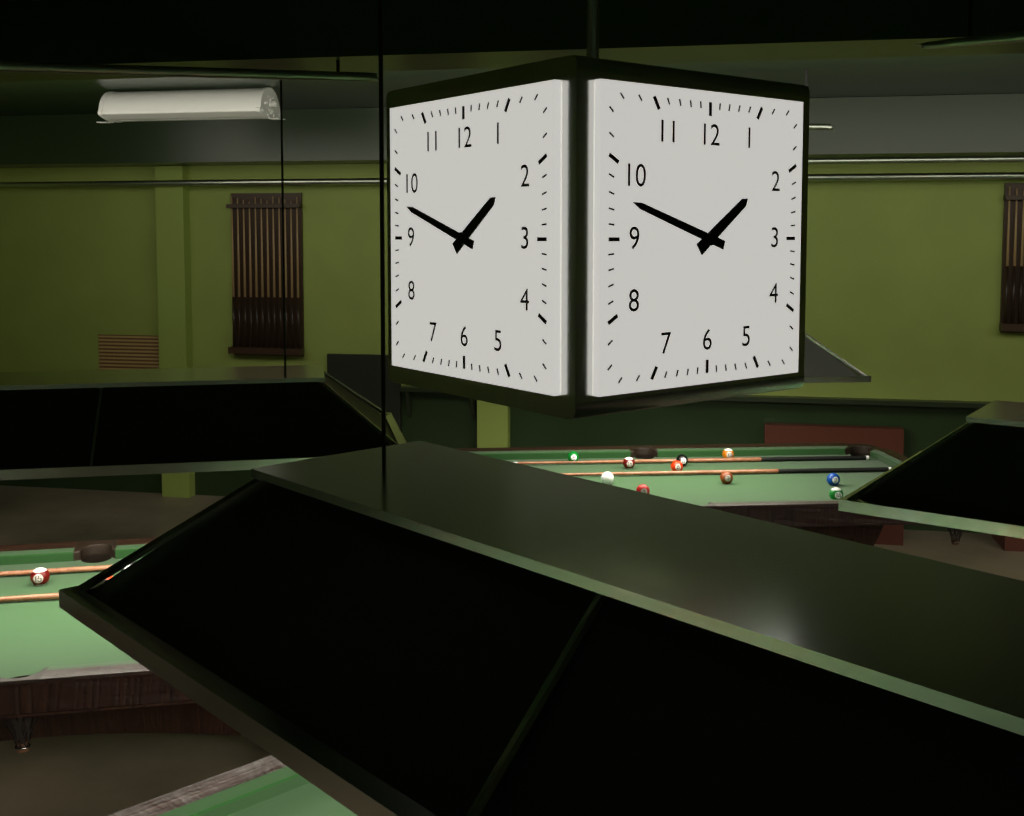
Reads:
h=1 m=48
